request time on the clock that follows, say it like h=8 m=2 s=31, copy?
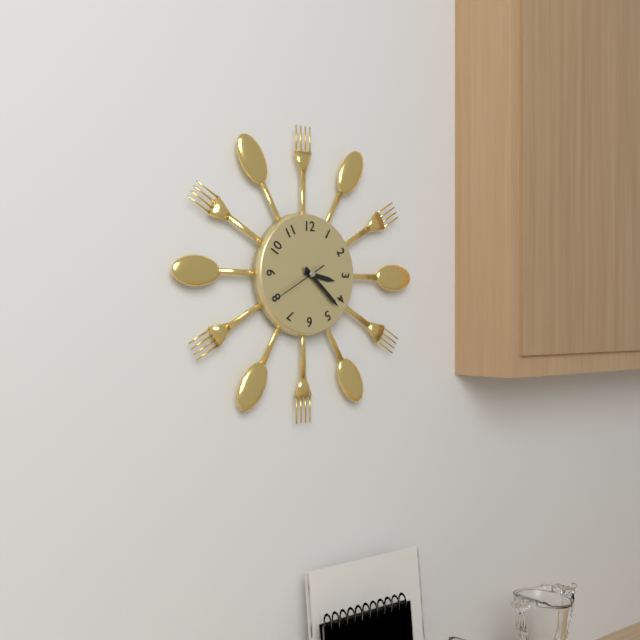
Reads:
h=3 m=22 s=40
